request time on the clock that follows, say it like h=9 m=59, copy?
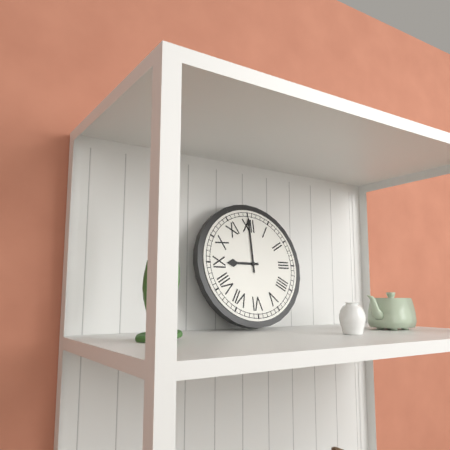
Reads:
h=9 m=0
